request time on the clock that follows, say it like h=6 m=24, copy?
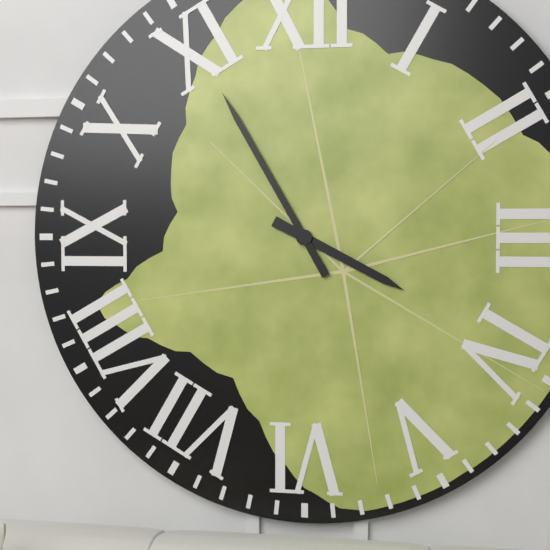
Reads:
h=3 m=55
